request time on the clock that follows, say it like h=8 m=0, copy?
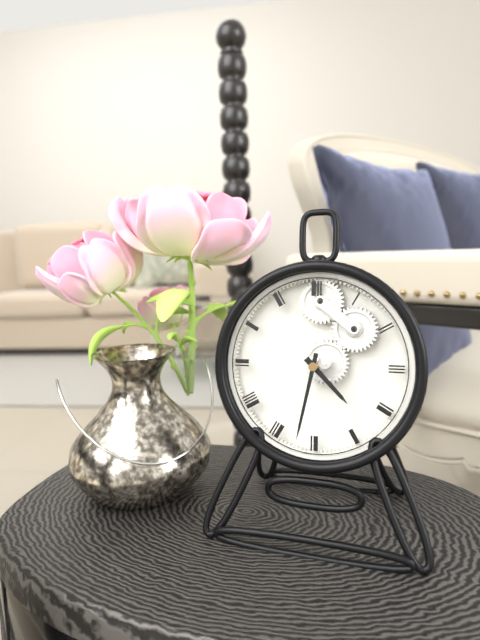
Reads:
h=4 m=32
